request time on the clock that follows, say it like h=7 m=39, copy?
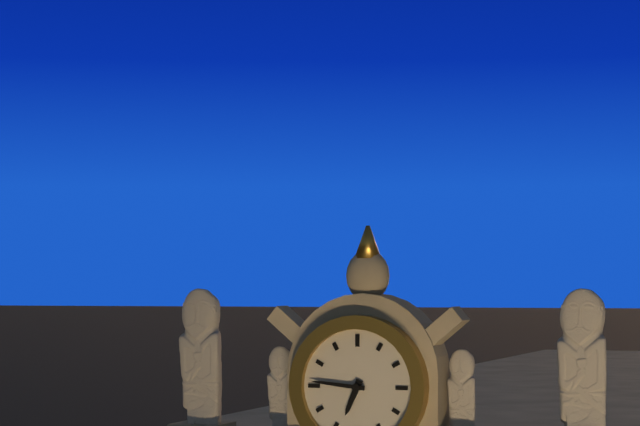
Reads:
h=6 m=46
